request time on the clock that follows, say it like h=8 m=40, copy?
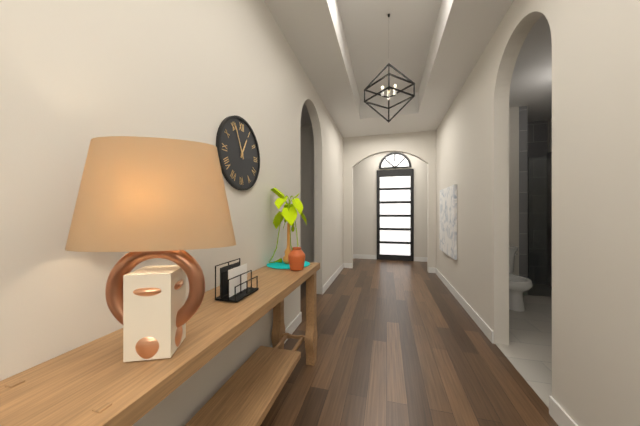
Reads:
h=12 m=56
